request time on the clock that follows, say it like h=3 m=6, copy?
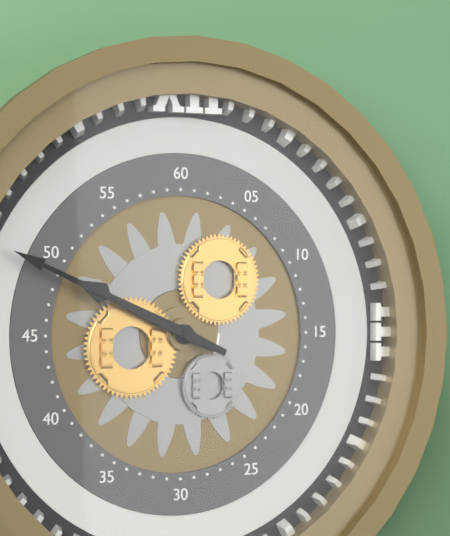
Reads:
h=9 m=49
